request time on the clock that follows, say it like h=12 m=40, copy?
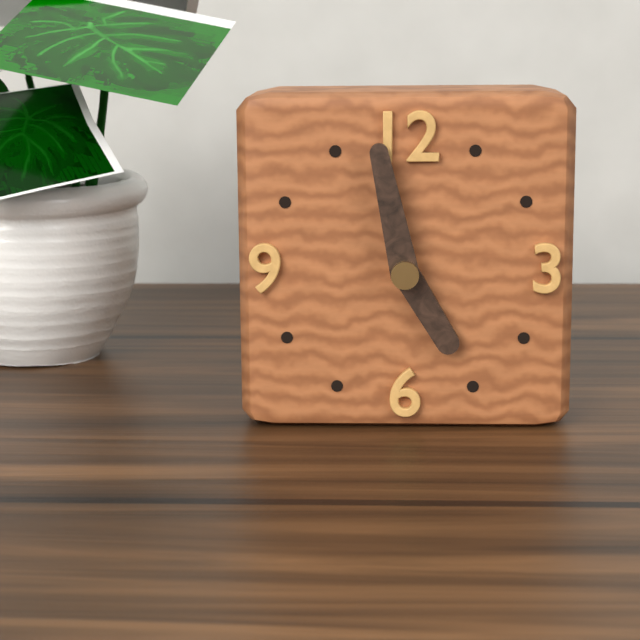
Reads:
h=4 m=58
